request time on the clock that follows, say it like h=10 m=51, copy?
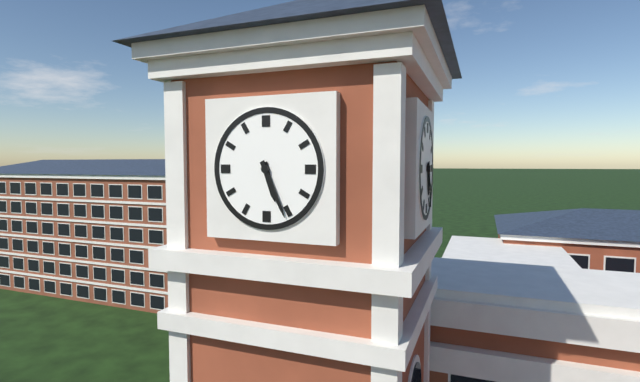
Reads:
h=5 m=26
